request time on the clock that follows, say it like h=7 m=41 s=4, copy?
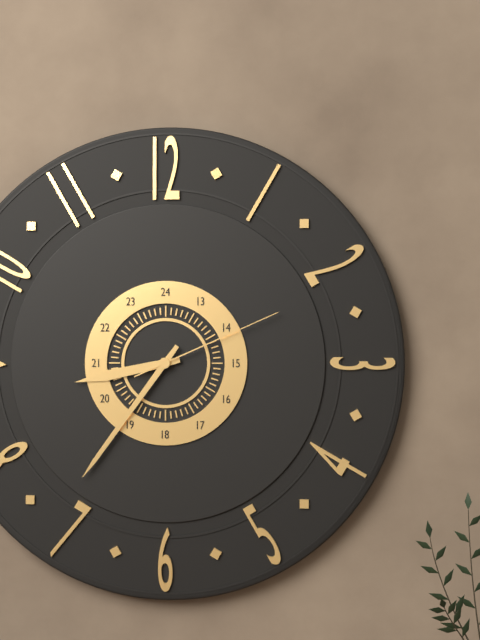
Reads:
h=8 m=36 s=11
